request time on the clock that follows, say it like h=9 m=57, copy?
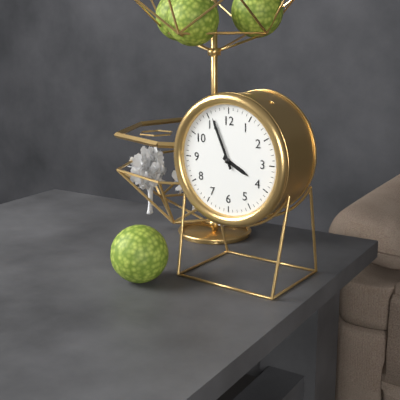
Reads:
h=3 m=56
